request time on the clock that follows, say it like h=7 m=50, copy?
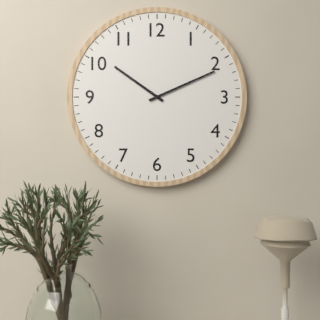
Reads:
h=10 m=11
